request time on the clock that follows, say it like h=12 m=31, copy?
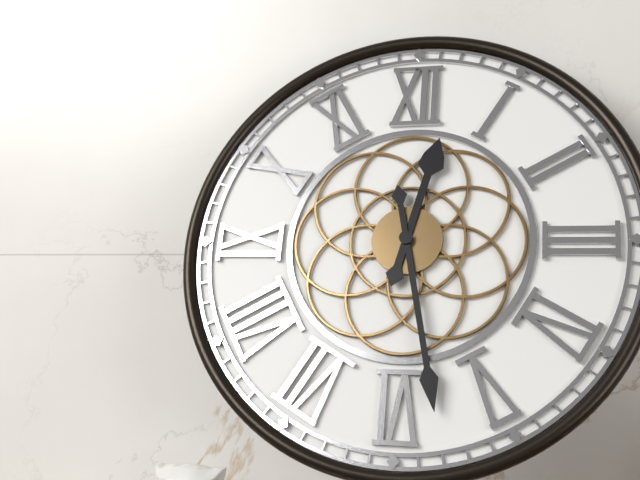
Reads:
h=12 m=28
